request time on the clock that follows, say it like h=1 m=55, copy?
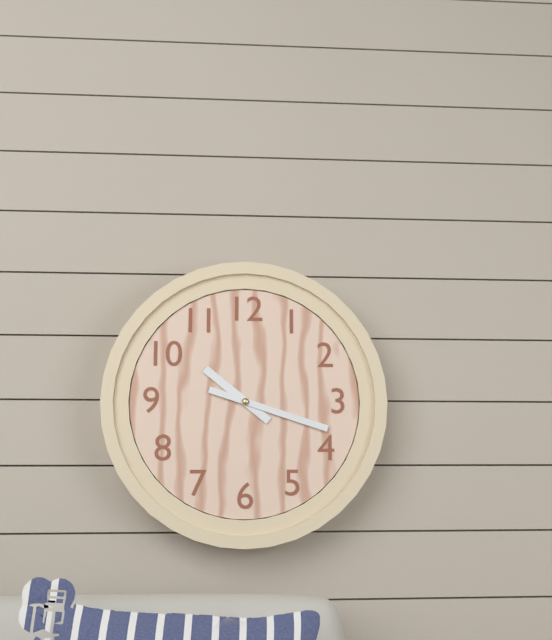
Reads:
h=10 m=18
